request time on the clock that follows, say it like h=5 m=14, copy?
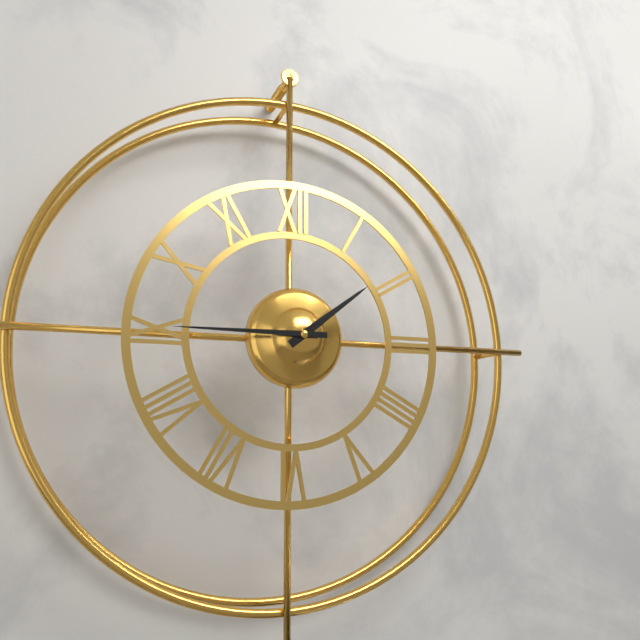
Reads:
h=1 m=45
